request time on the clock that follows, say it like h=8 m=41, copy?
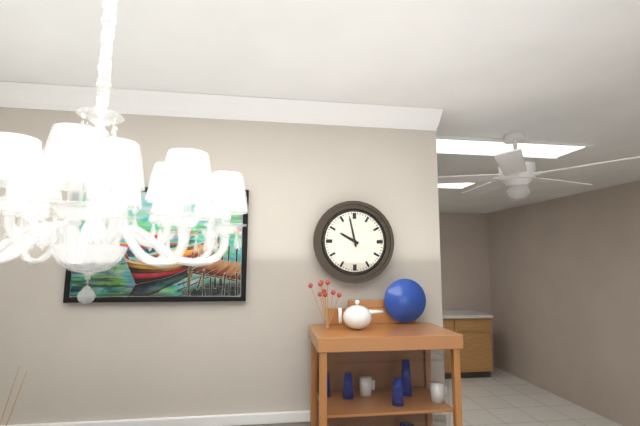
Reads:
h=9 m=58
